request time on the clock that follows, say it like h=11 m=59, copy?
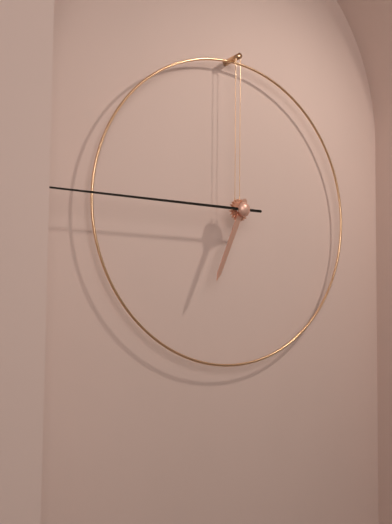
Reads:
h=6 m=45
